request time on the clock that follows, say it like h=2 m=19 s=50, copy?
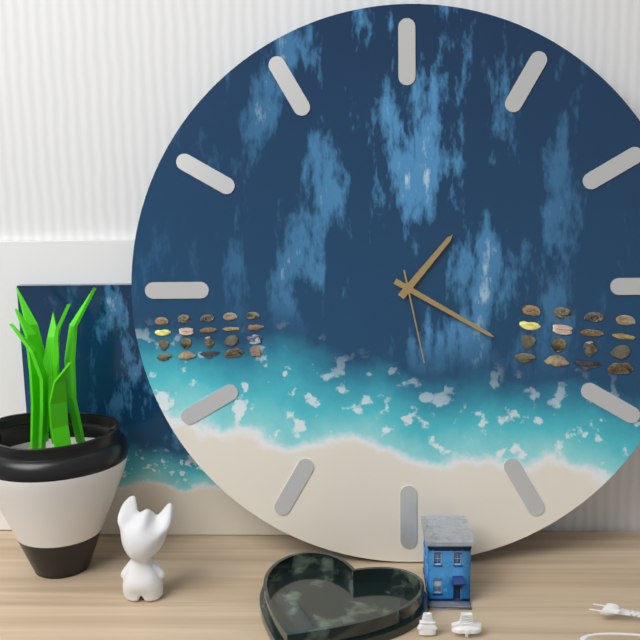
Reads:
h=1 m=20 s=28
